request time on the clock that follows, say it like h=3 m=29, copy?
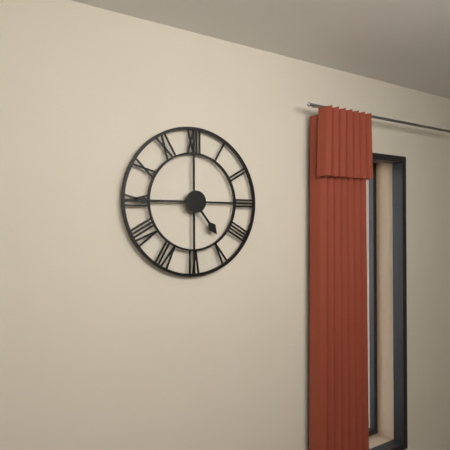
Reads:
h=4 m=45
